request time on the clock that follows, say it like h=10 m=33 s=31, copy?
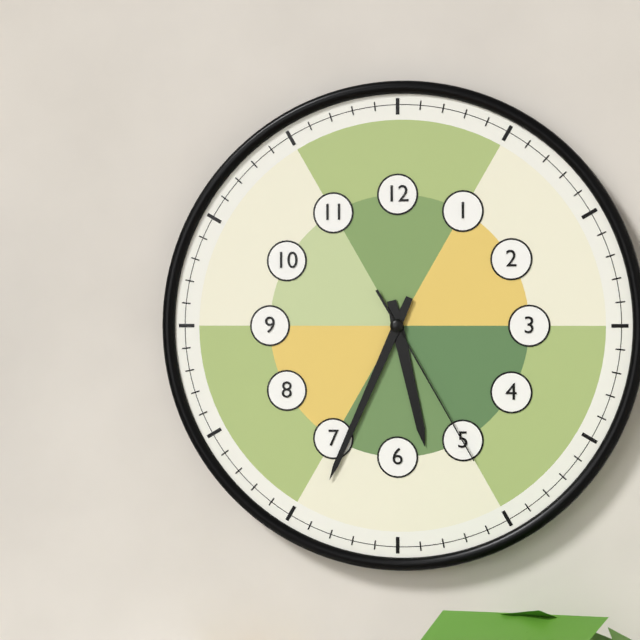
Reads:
h=5 m=34 s=25
